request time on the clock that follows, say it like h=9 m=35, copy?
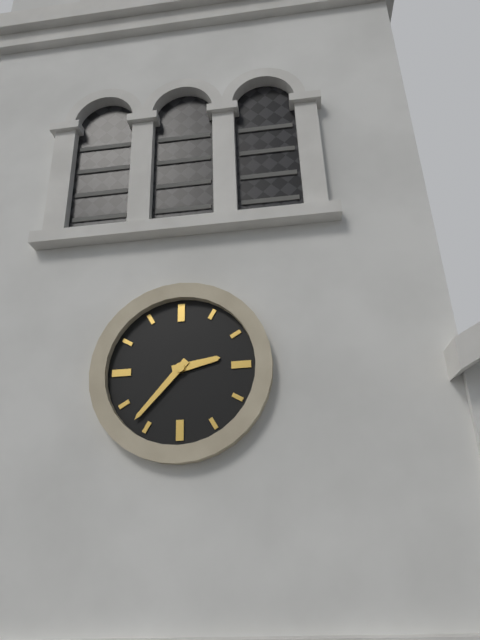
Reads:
h=2 m=37
